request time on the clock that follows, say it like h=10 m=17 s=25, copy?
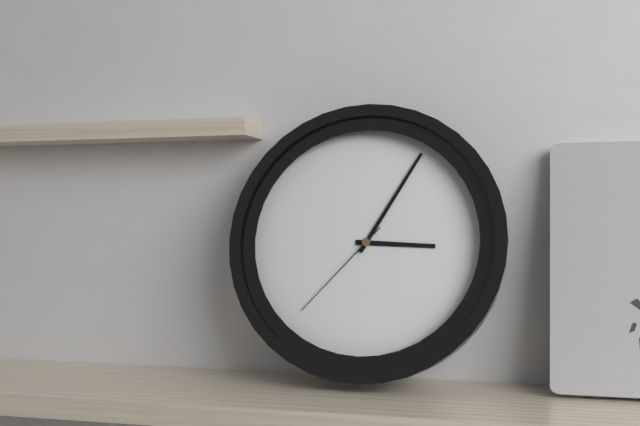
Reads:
h=3 m=5 s=37
